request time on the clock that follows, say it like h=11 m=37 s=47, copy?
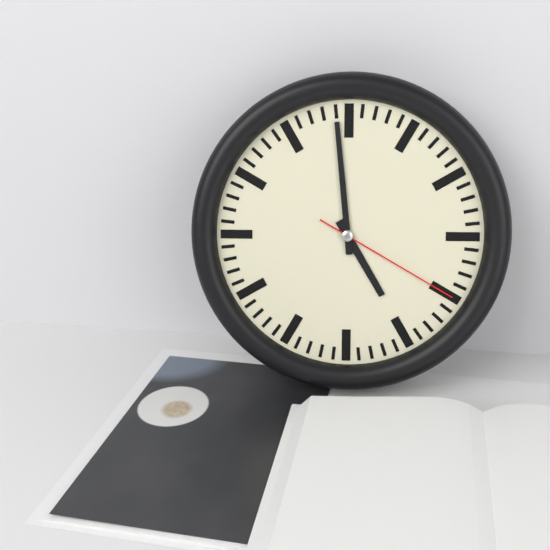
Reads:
h=4 m=59 s=20
